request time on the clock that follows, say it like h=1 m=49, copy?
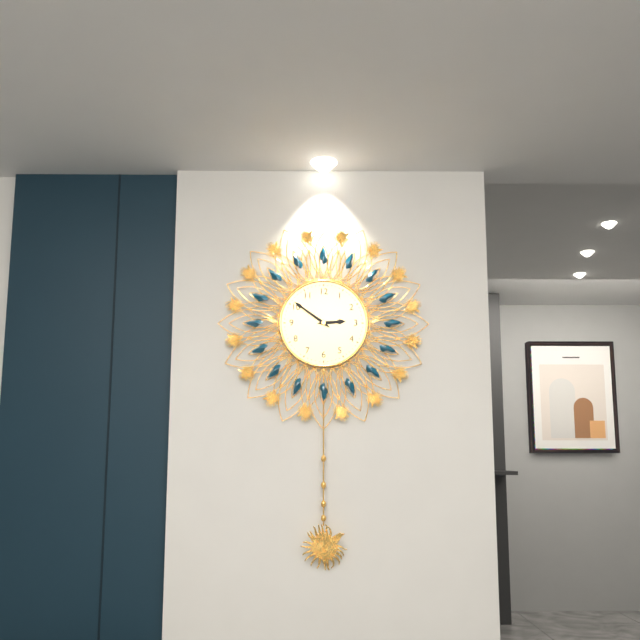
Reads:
h=2 m=51
